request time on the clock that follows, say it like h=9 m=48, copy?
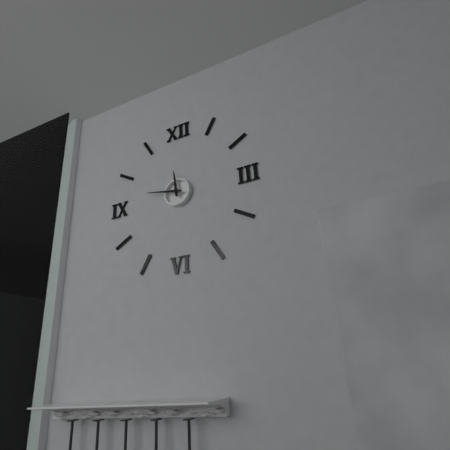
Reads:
h=11 m=47
